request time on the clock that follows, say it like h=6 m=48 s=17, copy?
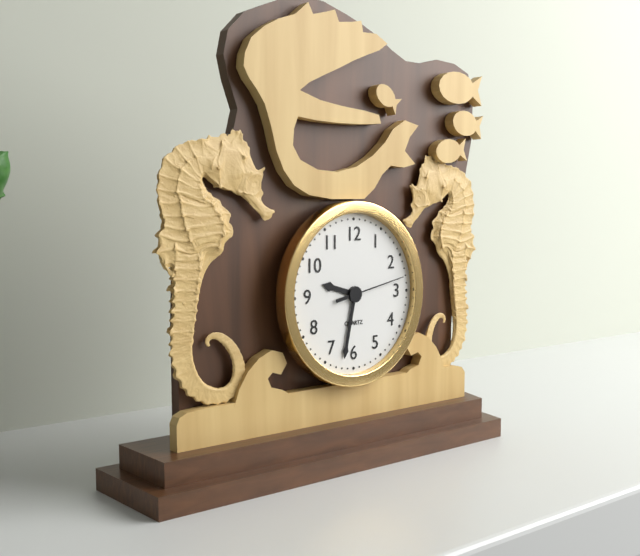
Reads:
h=9 m=32 s=13
